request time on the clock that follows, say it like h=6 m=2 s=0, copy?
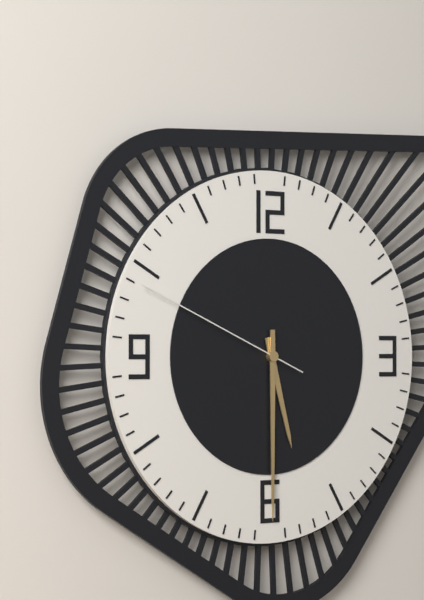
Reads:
h=5 m=30 s=49
